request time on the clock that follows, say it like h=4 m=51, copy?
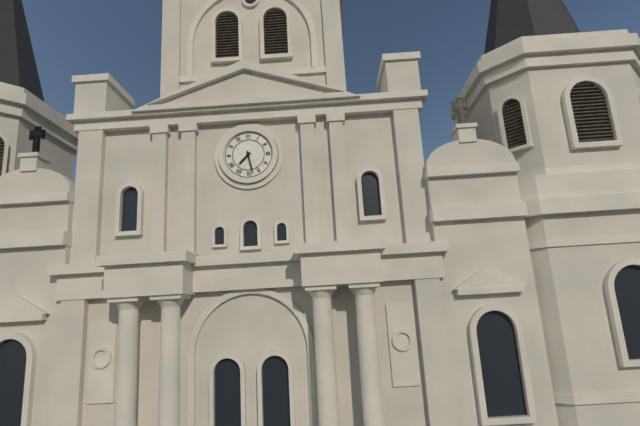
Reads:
h=7 m=28
